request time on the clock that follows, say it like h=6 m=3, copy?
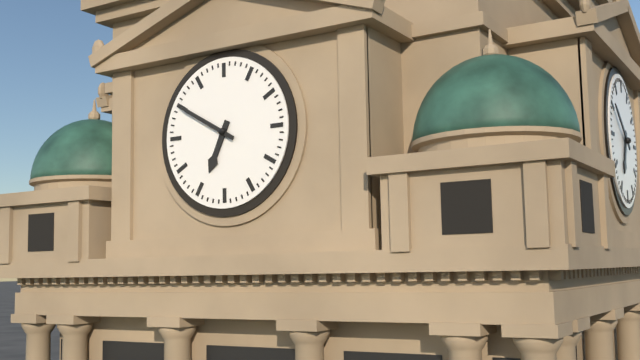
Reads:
h=6 m=50
